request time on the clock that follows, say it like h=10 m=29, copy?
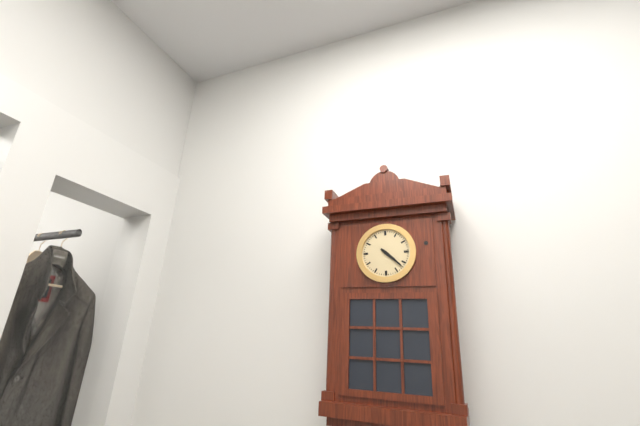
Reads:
h=4 m=22
